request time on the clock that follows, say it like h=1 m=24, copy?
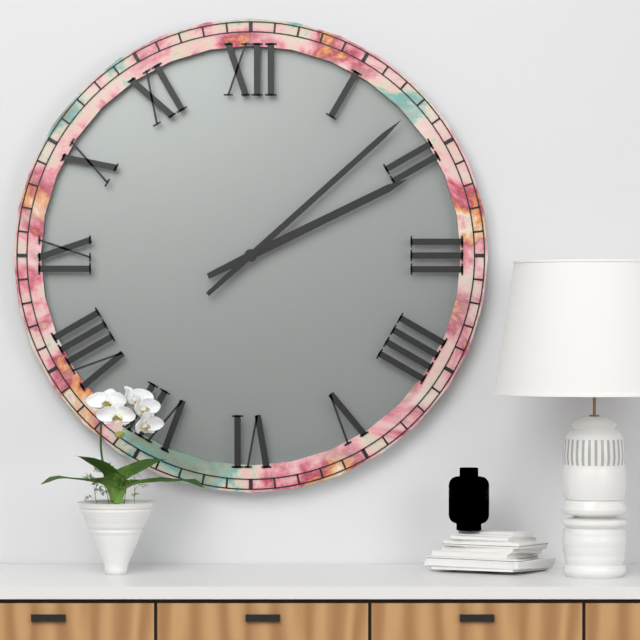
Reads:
h=2 m=8
